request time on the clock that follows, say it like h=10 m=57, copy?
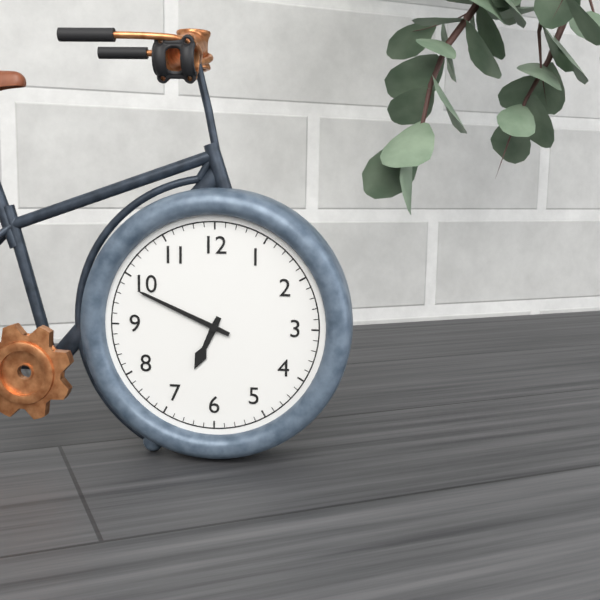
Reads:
h=6 m=49
